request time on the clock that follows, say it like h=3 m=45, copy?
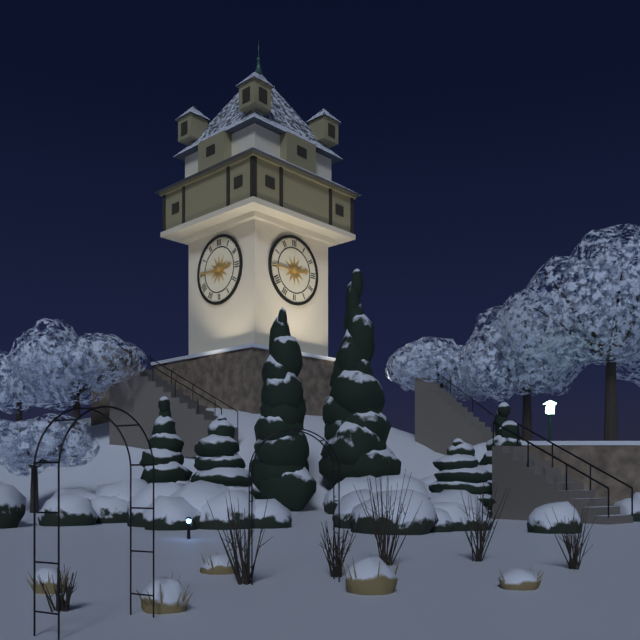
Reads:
h=2 m=45
